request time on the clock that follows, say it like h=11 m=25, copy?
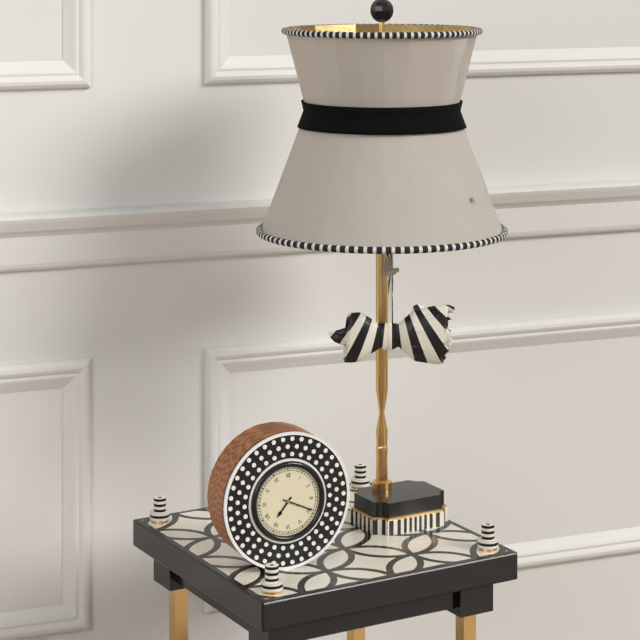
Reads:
h=7 m=19
